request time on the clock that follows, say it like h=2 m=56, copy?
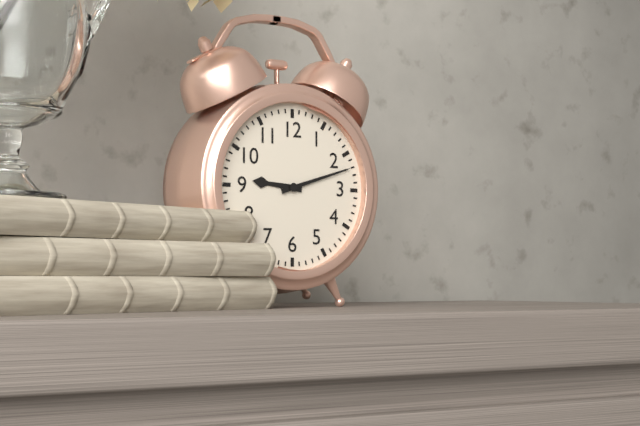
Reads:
h=9 m=12
